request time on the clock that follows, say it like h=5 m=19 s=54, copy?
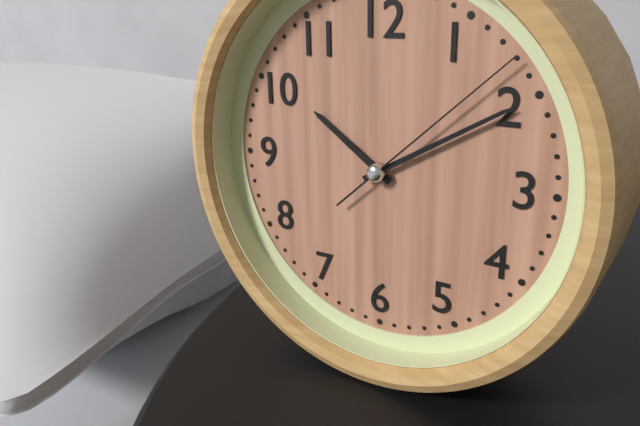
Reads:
h=10 m=10 s=8
